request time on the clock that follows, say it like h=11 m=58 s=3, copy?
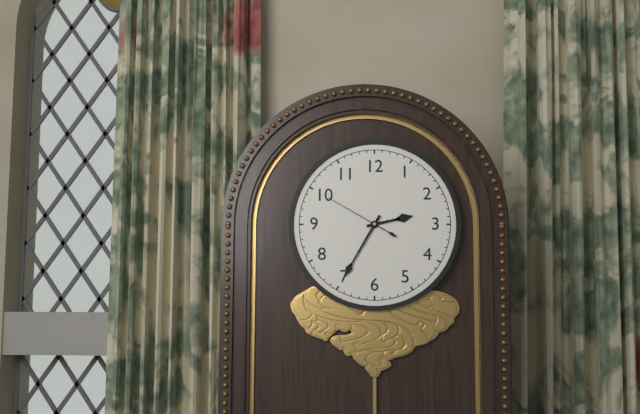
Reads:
h=2 m=35 s=50
